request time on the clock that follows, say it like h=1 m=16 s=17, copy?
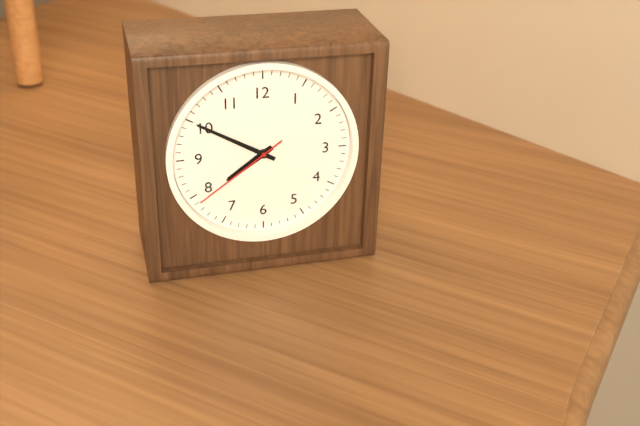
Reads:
h=7 m=50 s=39
